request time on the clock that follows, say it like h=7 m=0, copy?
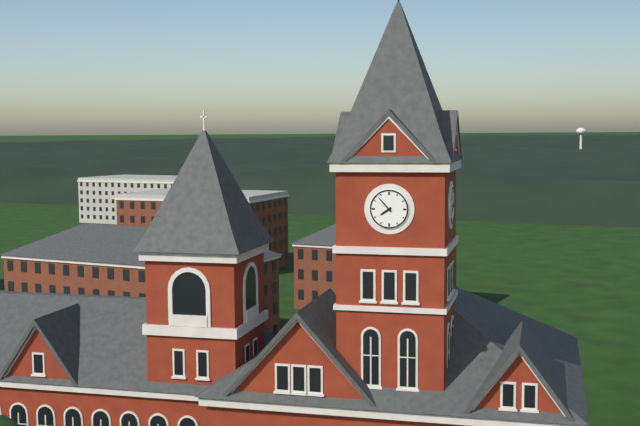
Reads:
h=7 m=53
